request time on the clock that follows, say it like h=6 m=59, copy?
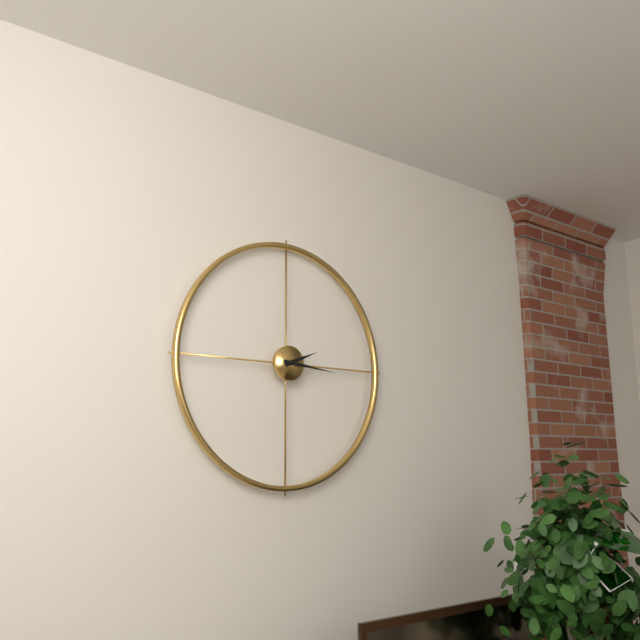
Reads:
h=2 m=16
